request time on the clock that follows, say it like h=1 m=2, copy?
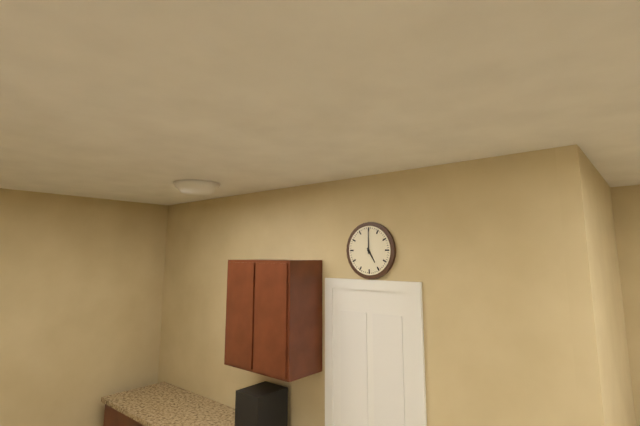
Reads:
h=5 m=0
